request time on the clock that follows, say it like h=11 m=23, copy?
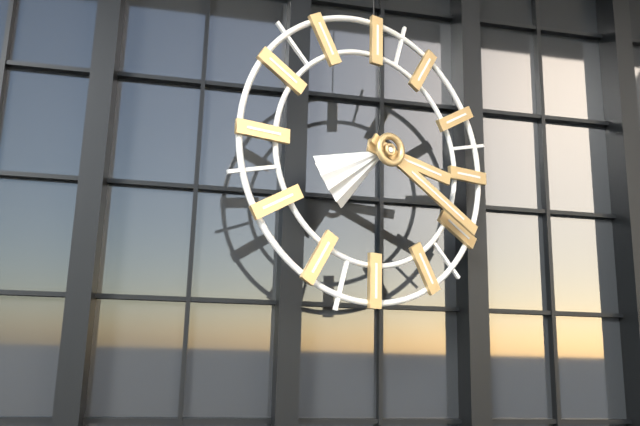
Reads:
h=3 m=20
